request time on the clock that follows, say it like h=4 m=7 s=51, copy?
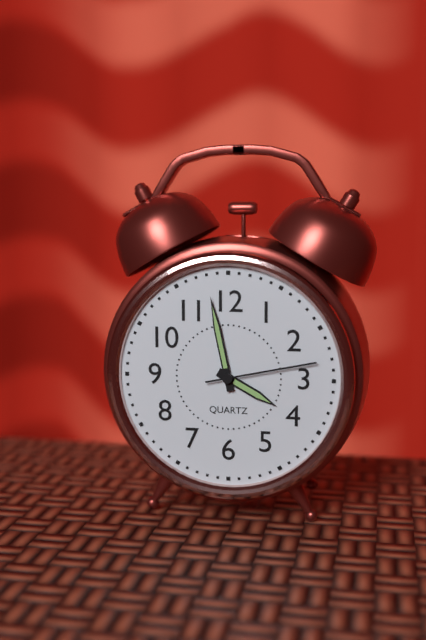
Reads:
h=3 m=58 s=13
